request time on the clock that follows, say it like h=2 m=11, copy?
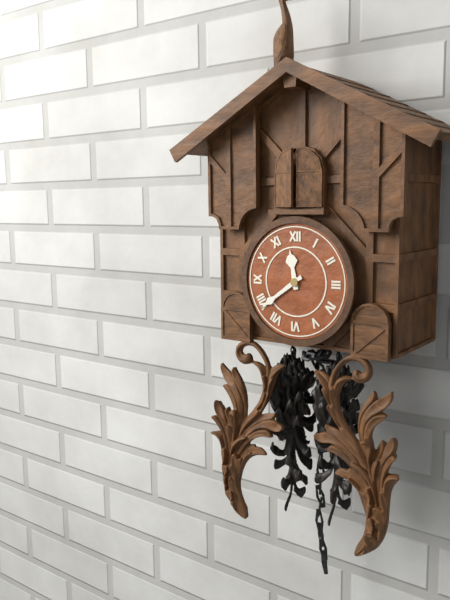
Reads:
h=11 m=39
